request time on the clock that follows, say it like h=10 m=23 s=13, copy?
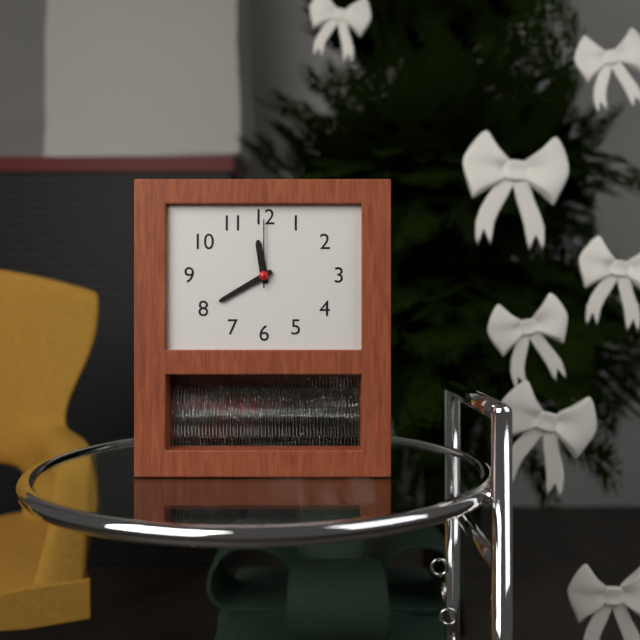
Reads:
h=11 m=40 s=0
